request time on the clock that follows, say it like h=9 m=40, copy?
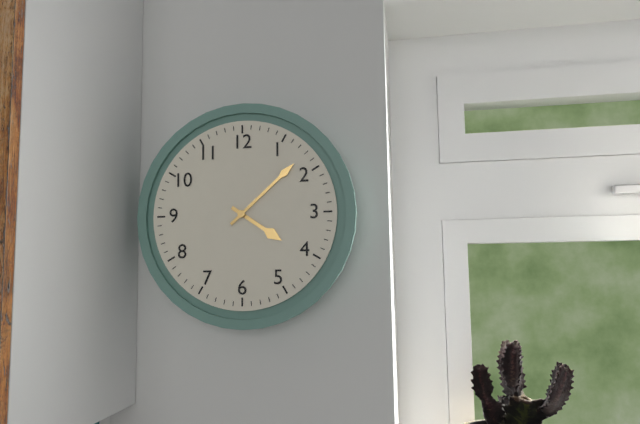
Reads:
h=4 m=8
